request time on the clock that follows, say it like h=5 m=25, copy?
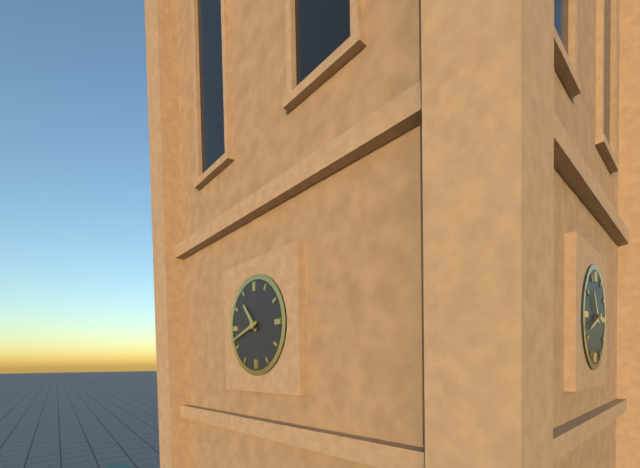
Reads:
h=10 m=42
